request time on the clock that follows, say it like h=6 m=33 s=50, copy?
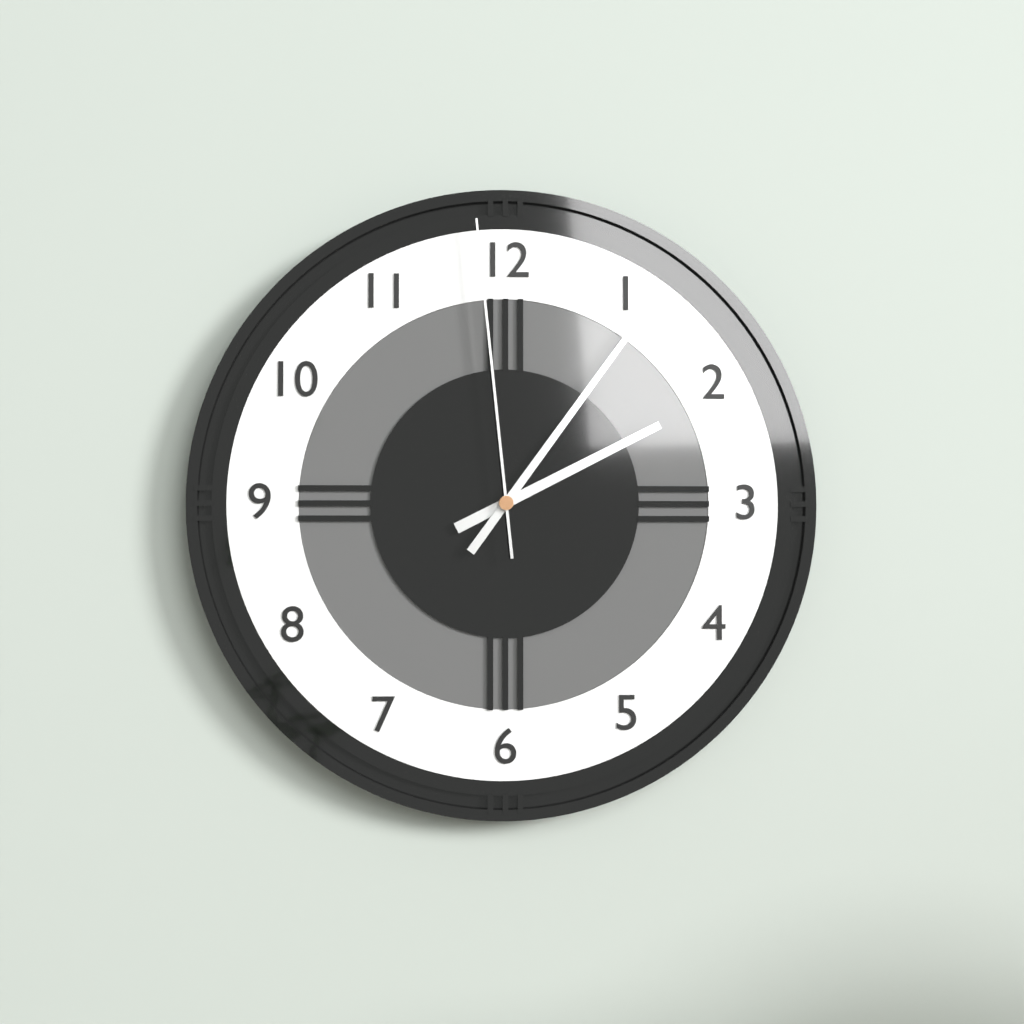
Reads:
h=2 m=6 s=59
